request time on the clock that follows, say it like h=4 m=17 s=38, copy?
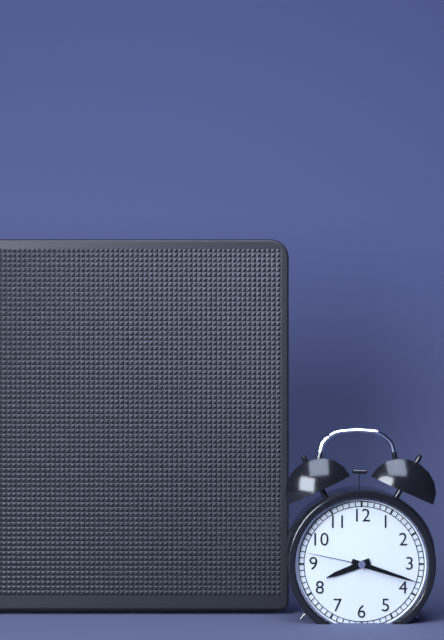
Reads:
h=8 m=18 s=47
